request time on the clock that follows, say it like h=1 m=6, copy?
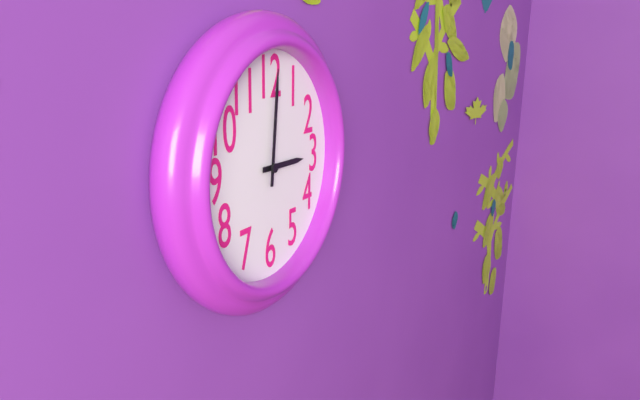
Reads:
h=3 m=1
